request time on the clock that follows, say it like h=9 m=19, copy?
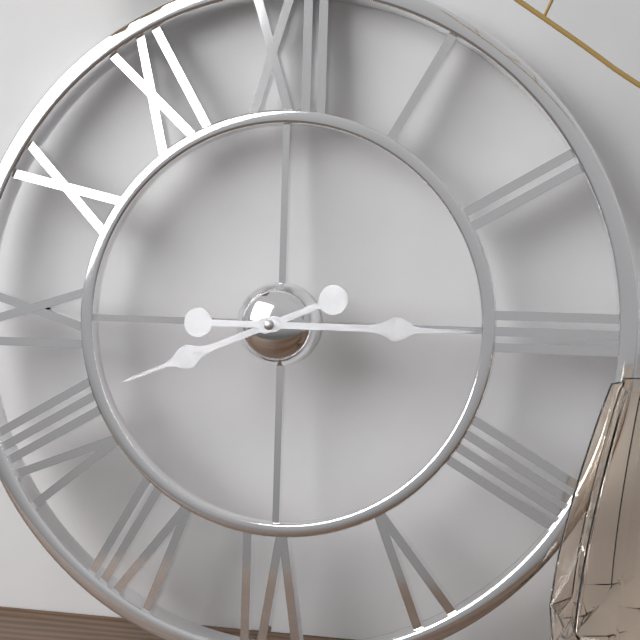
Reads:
h=8 m=15
